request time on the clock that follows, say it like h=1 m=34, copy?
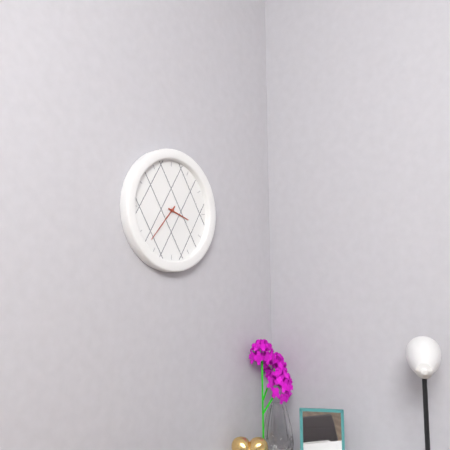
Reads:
h=3 m=37
